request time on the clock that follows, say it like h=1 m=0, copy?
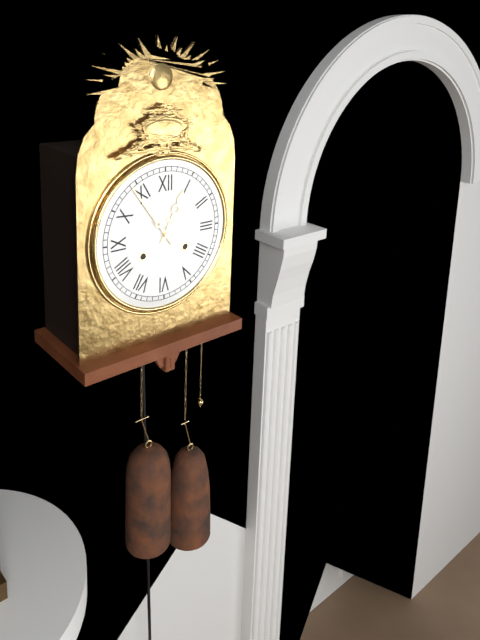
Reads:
h=12 m=54
